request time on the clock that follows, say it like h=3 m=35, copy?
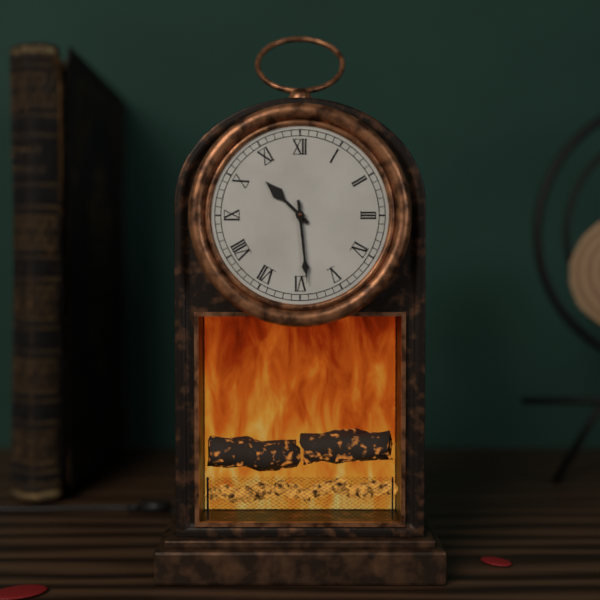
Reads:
h=10 m=29
